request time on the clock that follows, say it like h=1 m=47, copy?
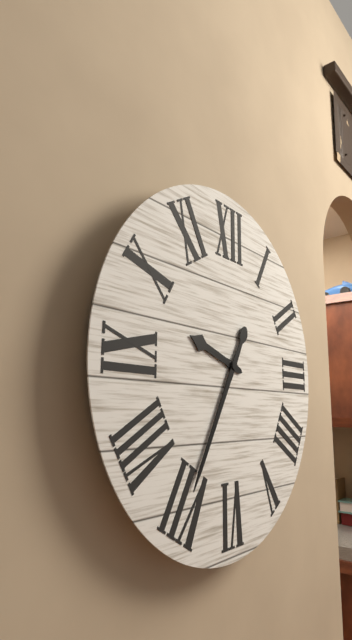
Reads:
h=9 m=35
